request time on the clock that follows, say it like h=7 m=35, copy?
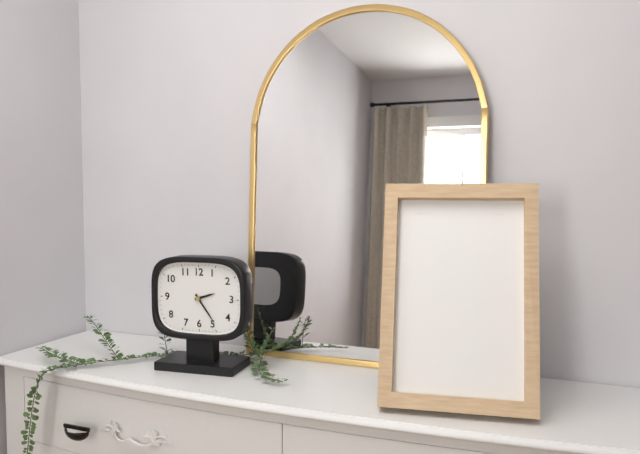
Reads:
h=2 m=24
